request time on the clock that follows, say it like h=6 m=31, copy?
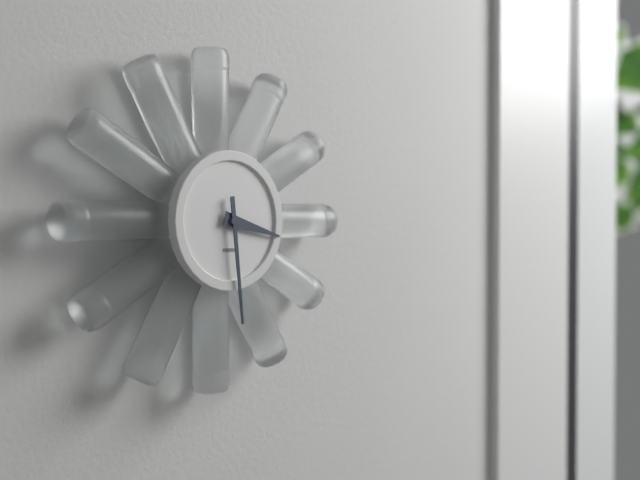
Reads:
h=3 m=29
